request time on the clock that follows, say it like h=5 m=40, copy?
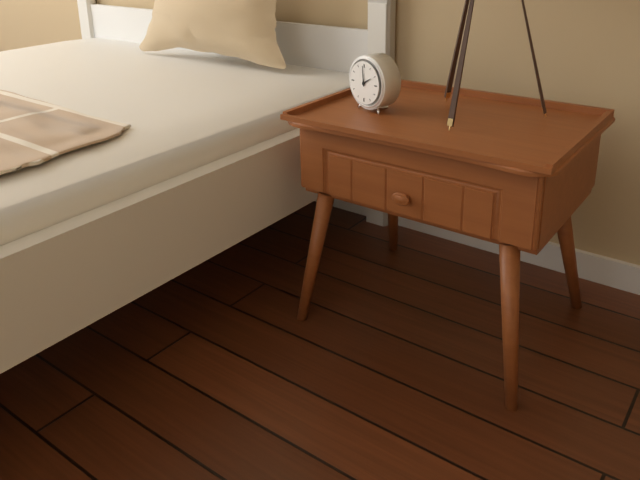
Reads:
h=1 m=59
